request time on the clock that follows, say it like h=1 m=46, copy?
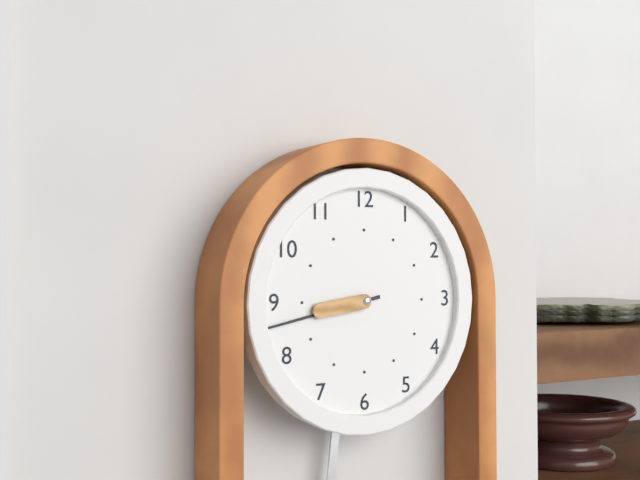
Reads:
h=8 m=43
